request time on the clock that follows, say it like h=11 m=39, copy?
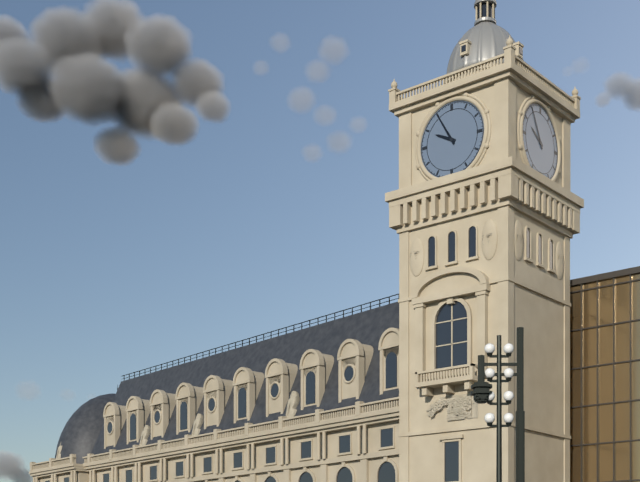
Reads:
h=9 m=55
